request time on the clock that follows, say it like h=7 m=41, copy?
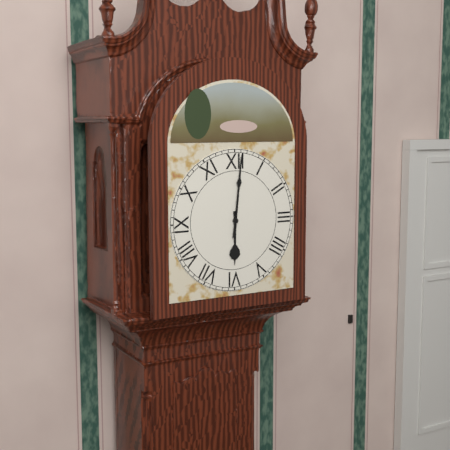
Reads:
h=6 m=1
